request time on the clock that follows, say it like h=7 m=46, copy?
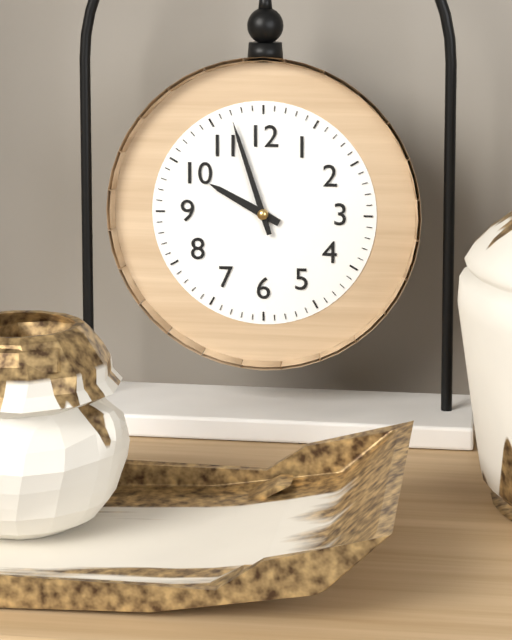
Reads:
h=9 m=57
